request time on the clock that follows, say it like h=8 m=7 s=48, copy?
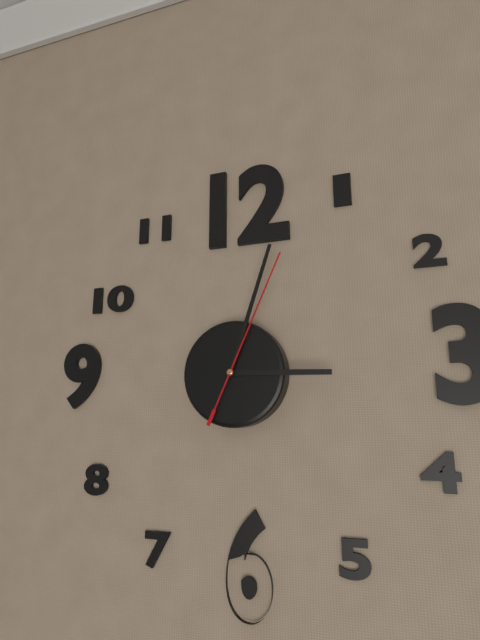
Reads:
h=3 m=3 s=4
